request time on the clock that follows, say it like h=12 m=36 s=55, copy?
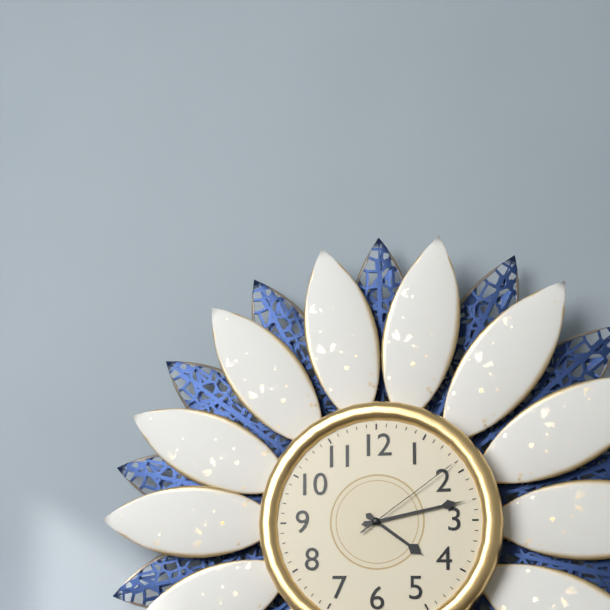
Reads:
h=4 m=13 s=9
